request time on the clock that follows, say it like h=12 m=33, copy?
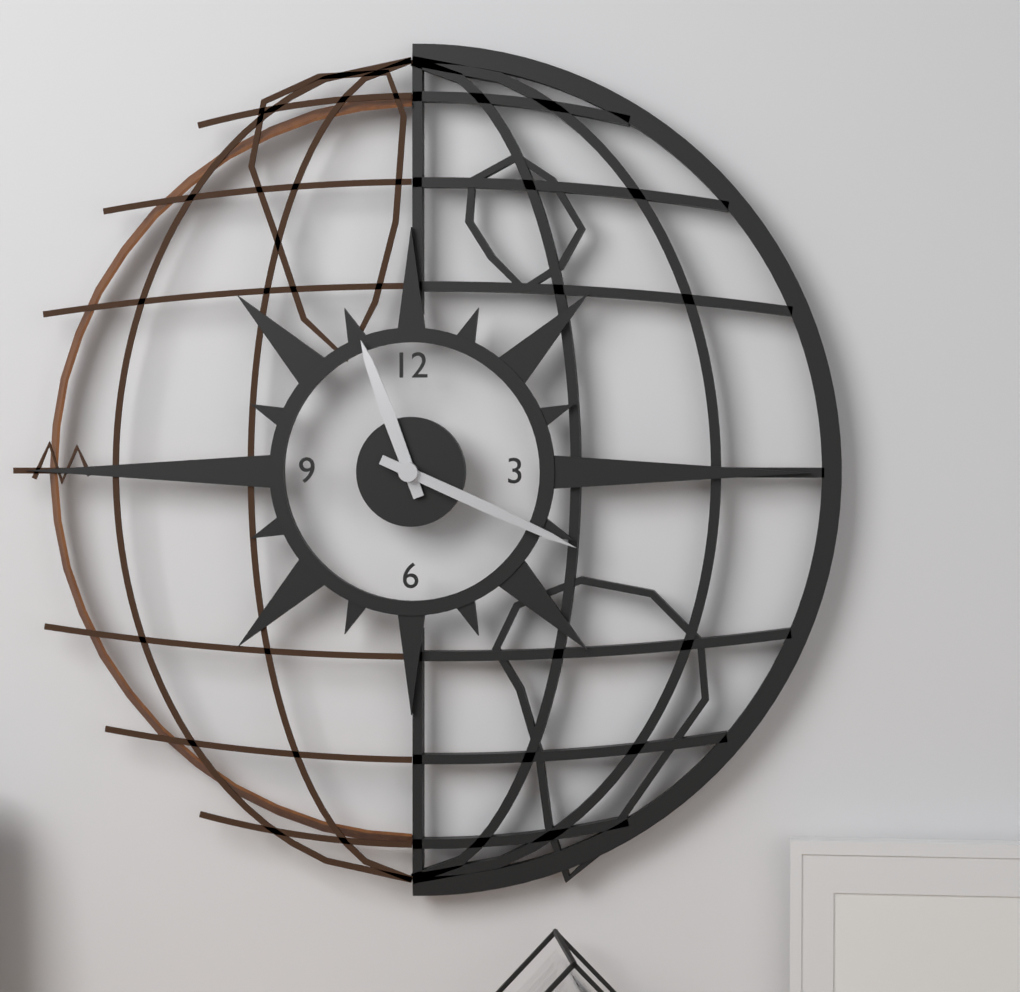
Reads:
h=11 m=19
